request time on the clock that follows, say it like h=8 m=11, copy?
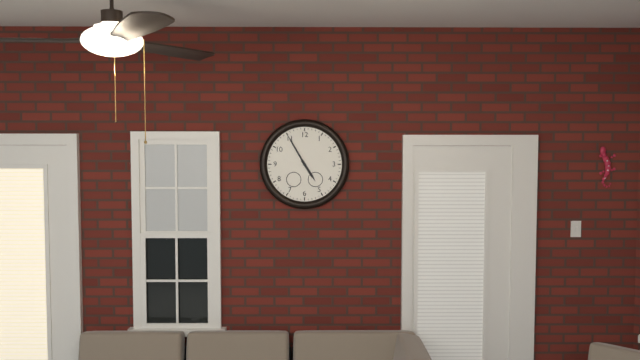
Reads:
h=4 m=55
